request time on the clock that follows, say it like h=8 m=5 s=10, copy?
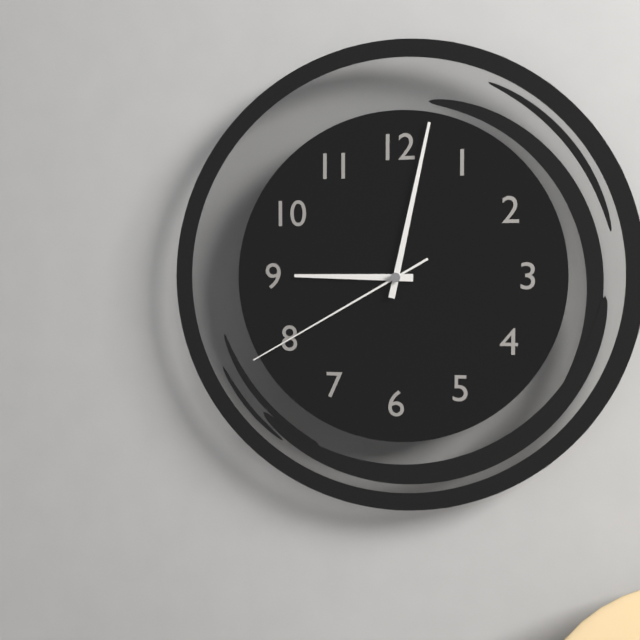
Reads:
h=9 m=2 s=40
